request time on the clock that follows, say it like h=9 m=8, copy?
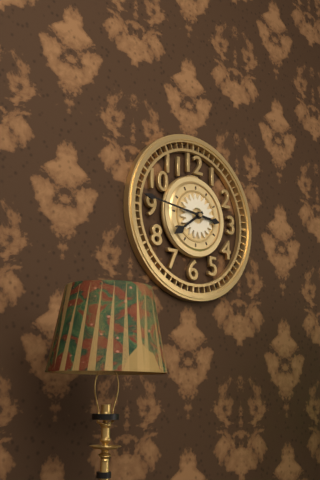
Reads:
h=7 m=46
